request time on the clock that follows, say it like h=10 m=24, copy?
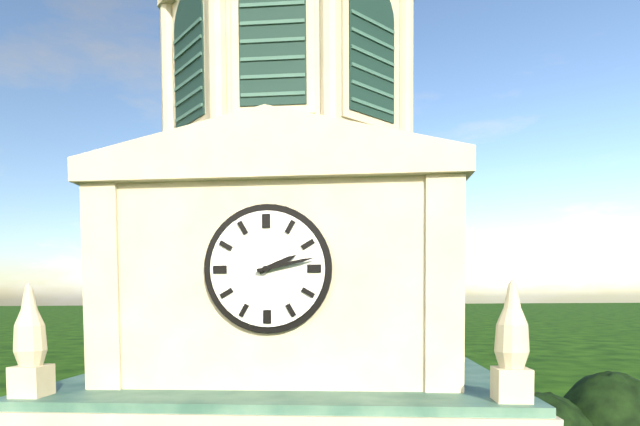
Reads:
h=2 m=13
